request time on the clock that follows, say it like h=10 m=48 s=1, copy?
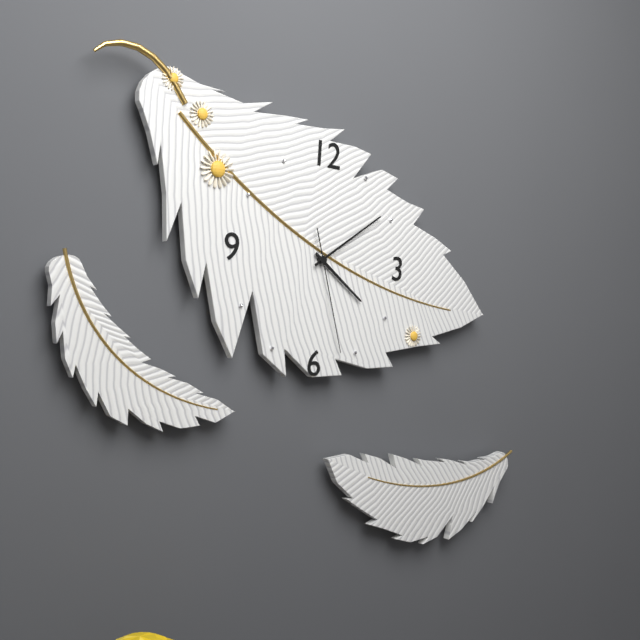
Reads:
h=4 m=9 s=27
